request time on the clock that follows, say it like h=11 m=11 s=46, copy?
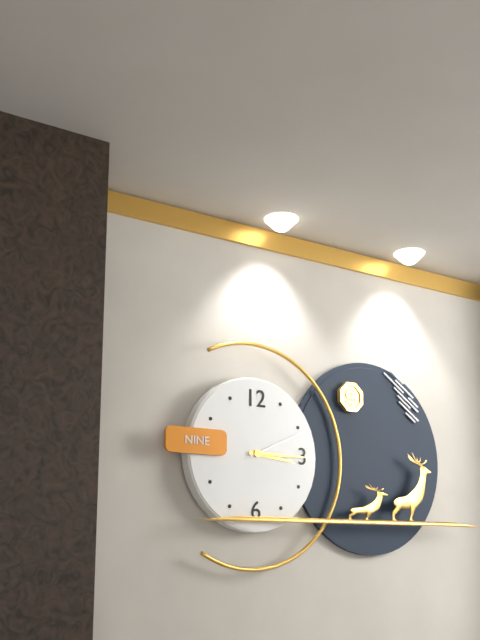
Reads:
h=3 m=15 s=11
